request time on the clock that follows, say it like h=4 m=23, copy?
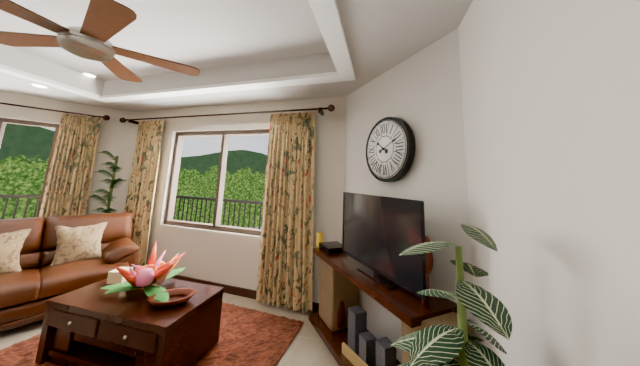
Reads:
h=10 m=11
